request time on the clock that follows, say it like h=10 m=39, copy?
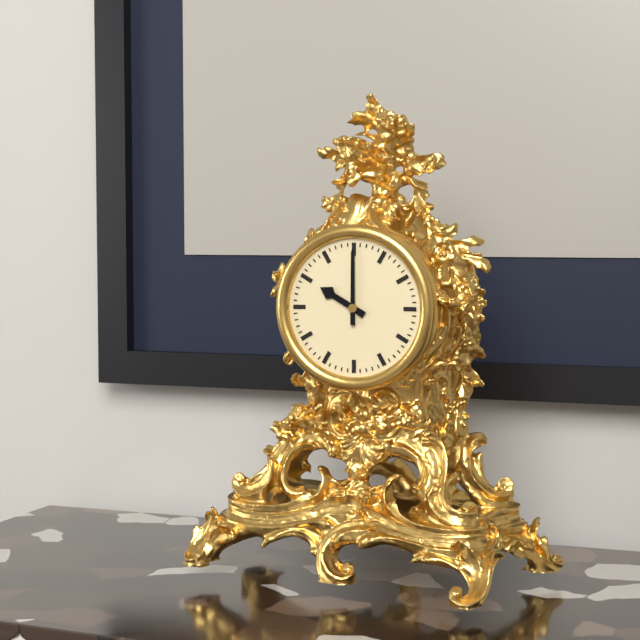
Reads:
h=10 m=0
